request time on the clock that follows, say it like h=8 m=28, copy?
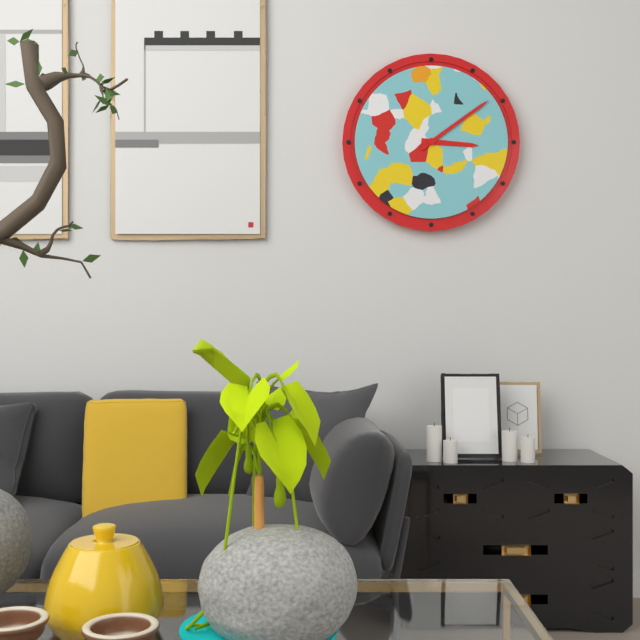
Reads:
h=3 m=9
